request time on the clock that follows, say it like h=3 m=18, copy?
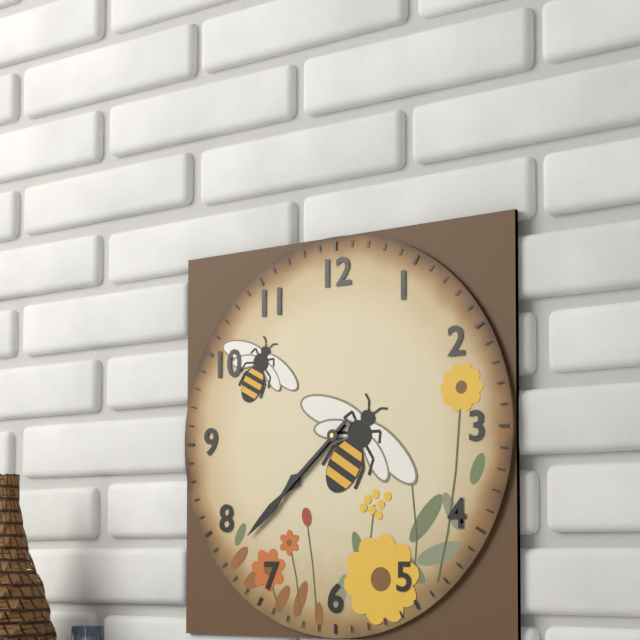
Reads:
h=7 m=38
